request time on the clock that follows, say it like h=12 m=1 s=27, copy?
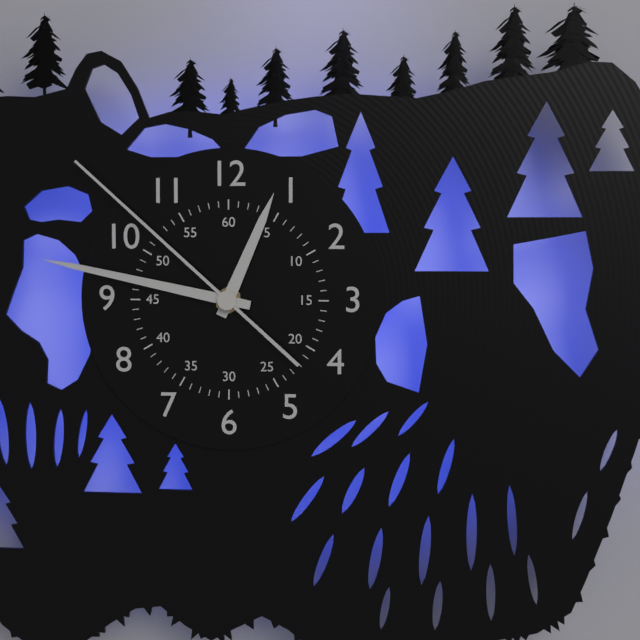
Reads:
h=12 m=47 s=52
